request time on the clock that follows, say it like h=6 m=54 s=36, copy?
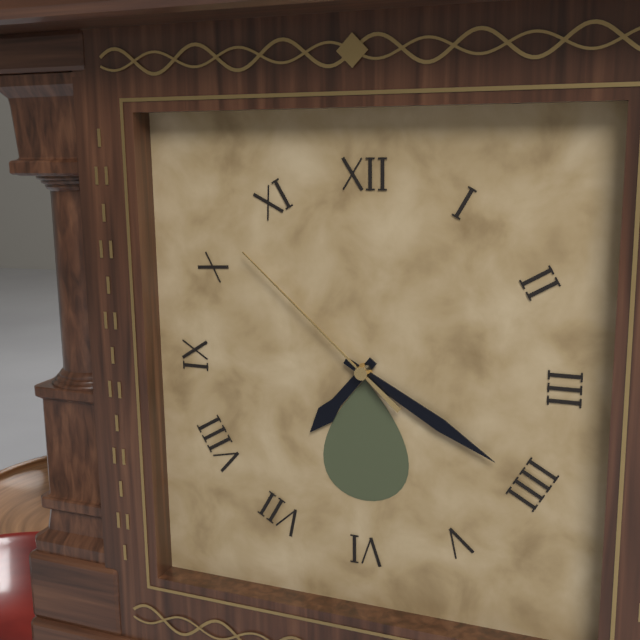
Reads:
h=7 m=20 s=52
